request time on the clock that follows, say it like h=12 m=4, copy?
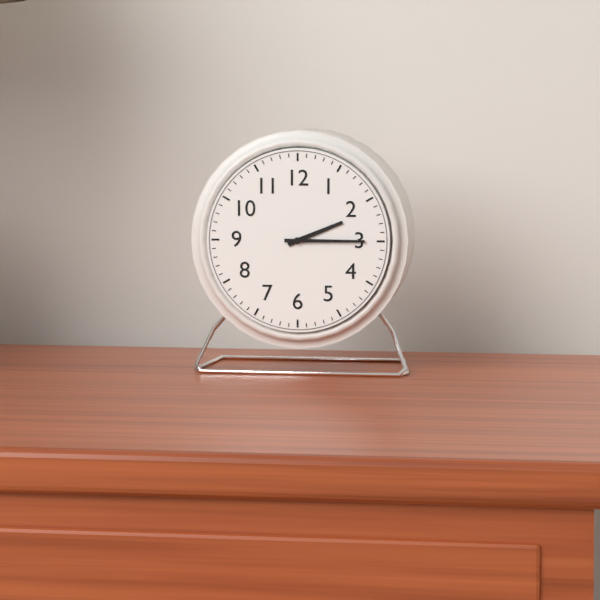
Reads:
h=2 m=15
